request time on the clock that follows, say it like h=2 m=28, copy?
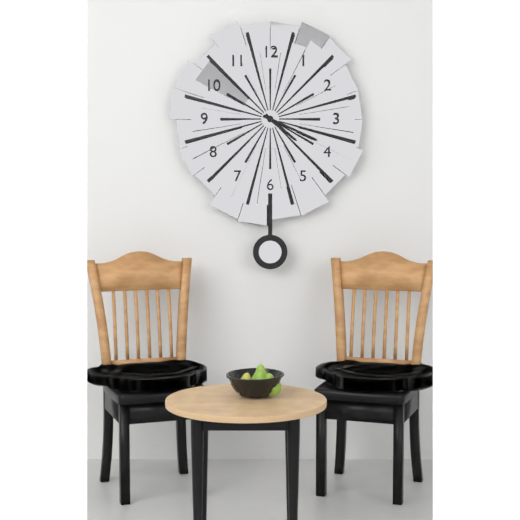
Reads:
h=4 m=19
